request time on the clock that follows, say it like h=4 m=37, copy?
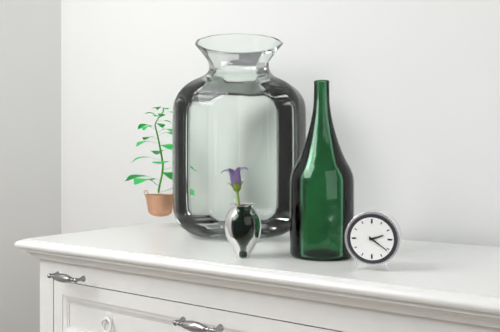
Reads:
h=2 m=21
